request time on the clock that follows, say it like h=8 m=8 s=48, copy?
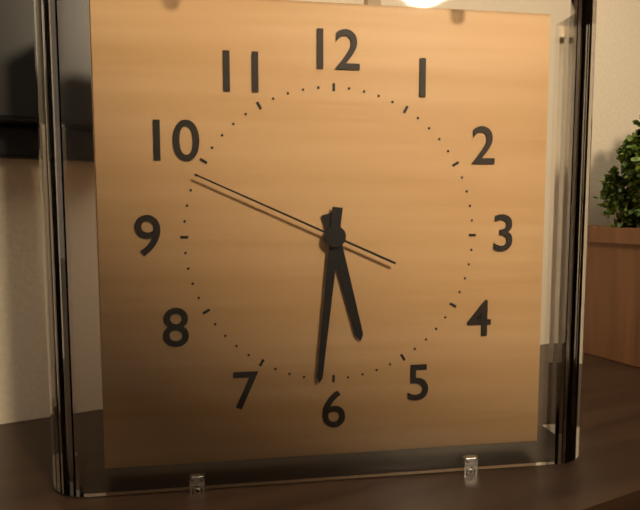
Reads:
h=5 m=31 s=49
